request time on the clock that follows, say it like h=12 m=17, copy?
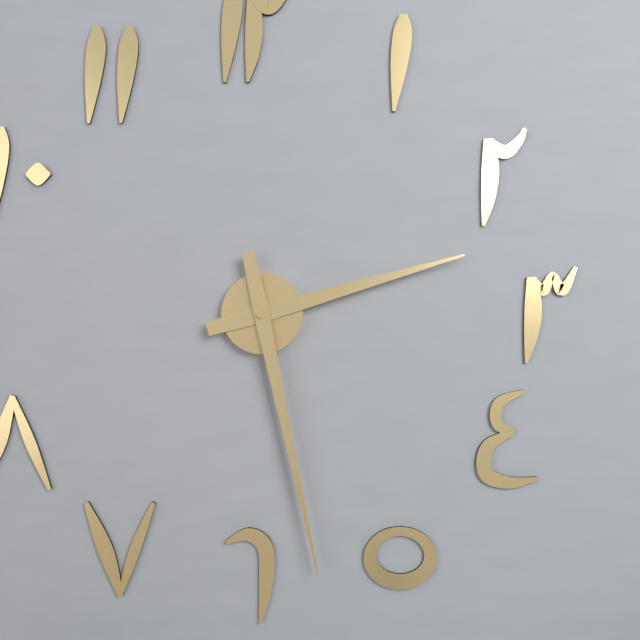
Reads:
h=2 m=28
